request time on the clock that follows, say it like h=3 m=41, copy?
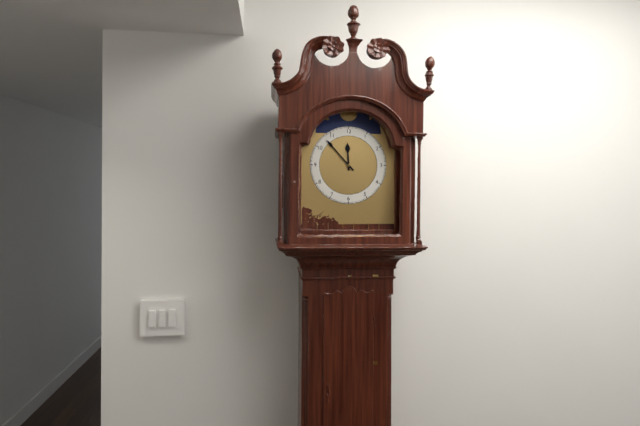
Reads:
h=11 m=53
